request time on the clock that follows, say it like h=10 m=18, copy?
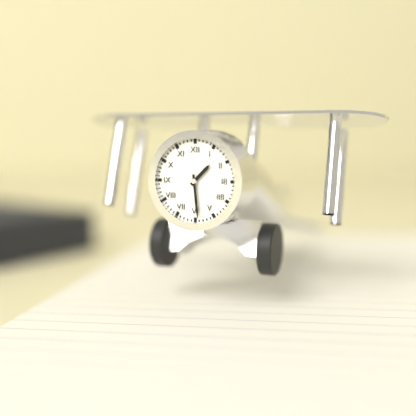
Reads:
h=1 m=29
